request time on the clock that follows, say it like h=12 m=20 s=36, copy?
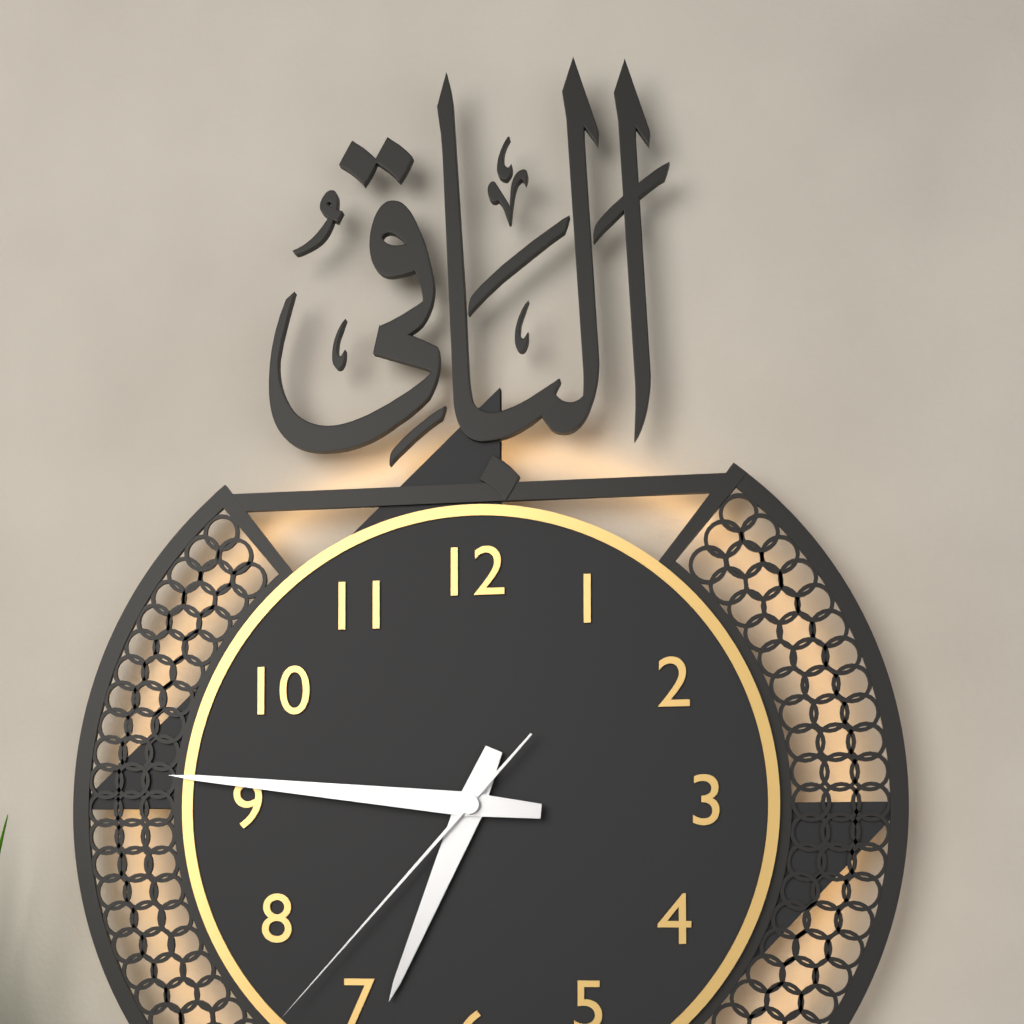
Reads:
h=6 m=46 s=37
